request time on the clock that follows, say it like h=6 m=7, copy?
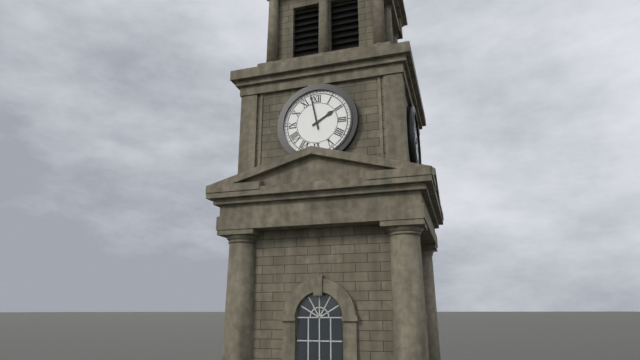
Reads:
h=1 m=58
